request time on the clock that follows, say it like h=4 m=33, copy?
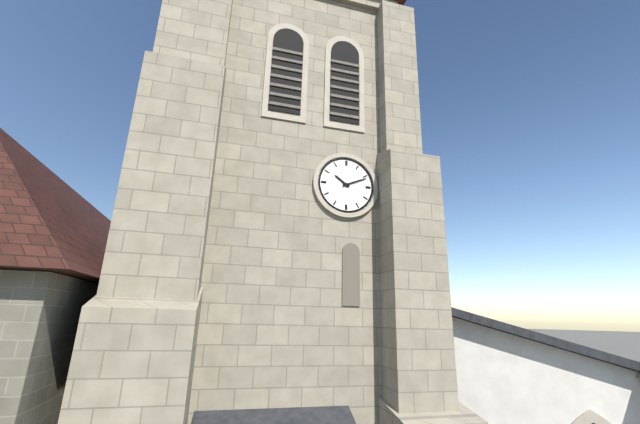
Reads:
h=10 m=11
